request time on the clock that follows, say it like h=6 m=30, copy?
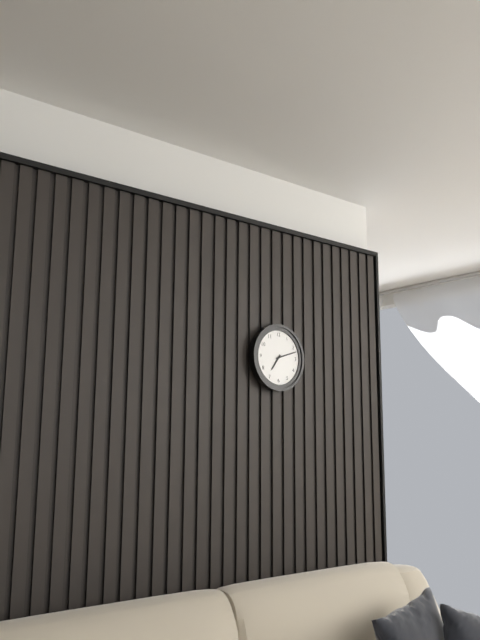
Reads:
h=7 m=12
